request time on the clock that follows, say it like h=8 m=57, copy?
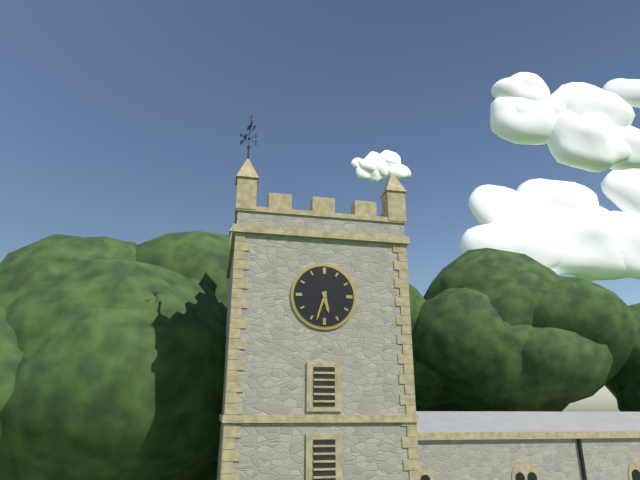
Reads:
h=5 m=33
